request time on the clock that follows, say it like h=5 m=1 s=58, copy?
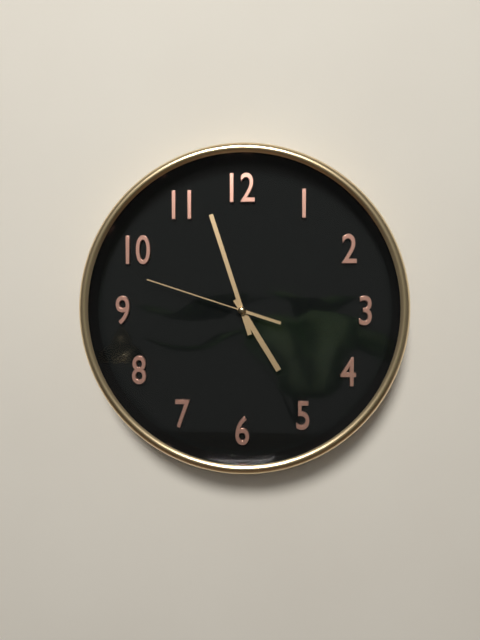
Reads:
h=4 m=57 s=48
